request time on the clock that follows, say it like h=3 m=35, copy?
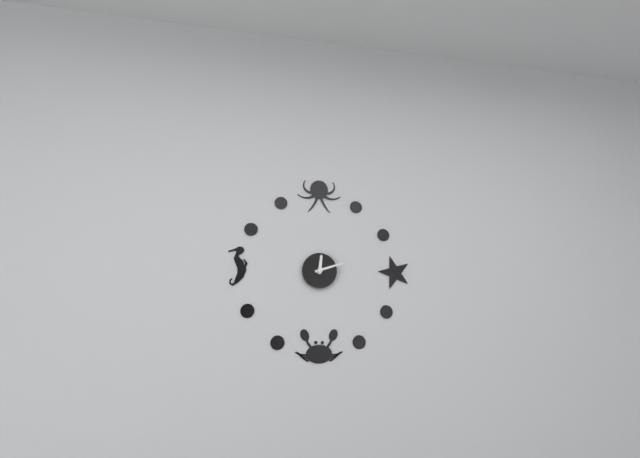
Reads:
h=12 m=12
